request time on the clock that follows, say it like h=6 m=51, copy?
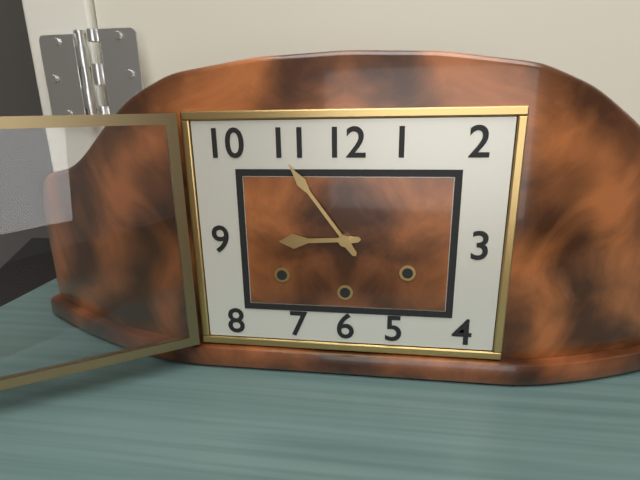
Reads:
h=8 m=54
